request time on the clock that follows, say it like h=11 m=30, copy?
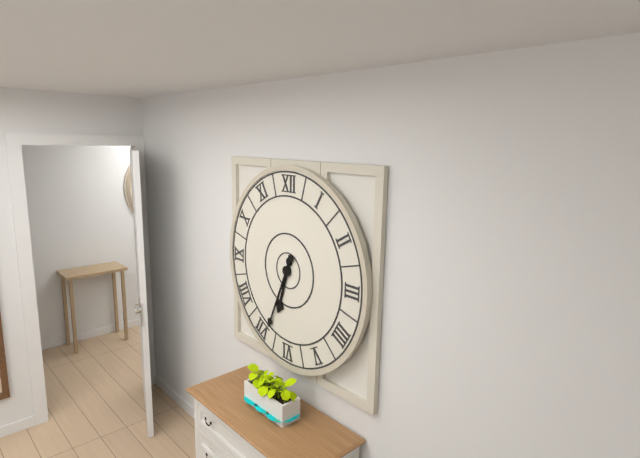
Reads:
h=6 m=34
